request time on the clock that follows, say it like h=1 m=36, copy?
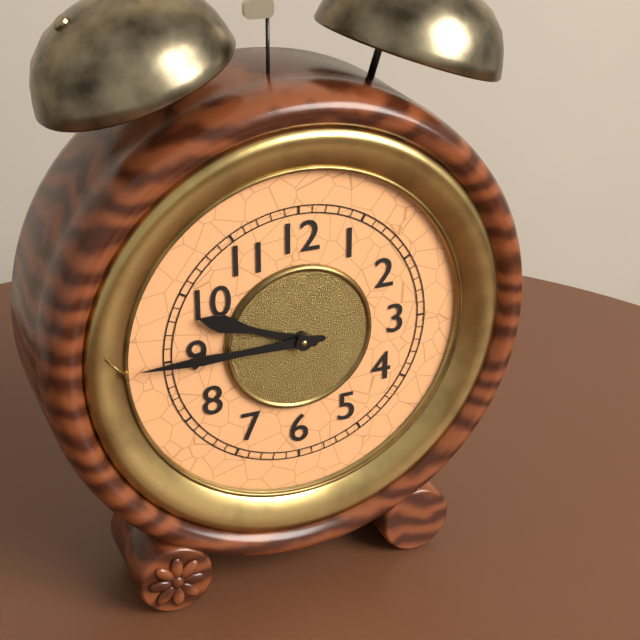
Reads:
h=9 m=45
